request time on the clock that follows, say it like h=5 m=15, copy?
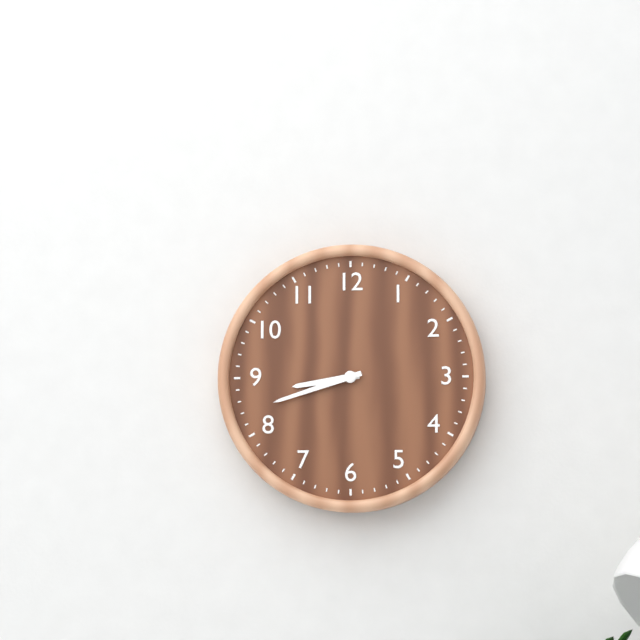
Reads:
h=8 m=42
